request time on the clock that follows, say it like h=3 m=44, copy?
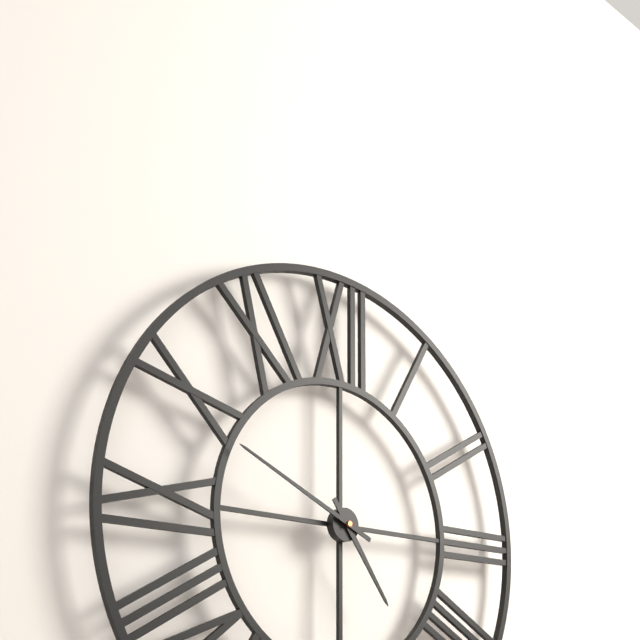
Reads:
h=4 m=49
